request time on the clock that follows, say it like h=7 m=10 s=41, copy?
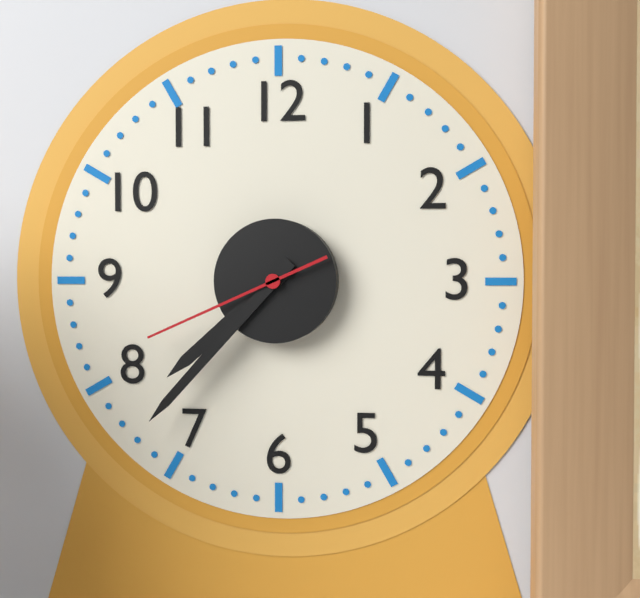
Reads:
h=7 m=37 s=41
